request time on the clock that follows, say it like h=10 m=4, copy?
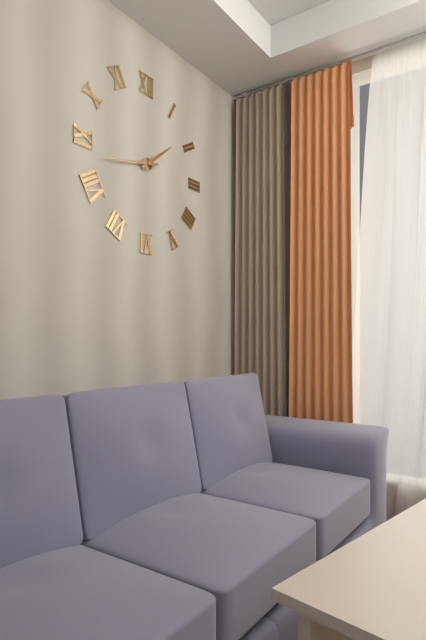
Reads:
h=1 m=43
